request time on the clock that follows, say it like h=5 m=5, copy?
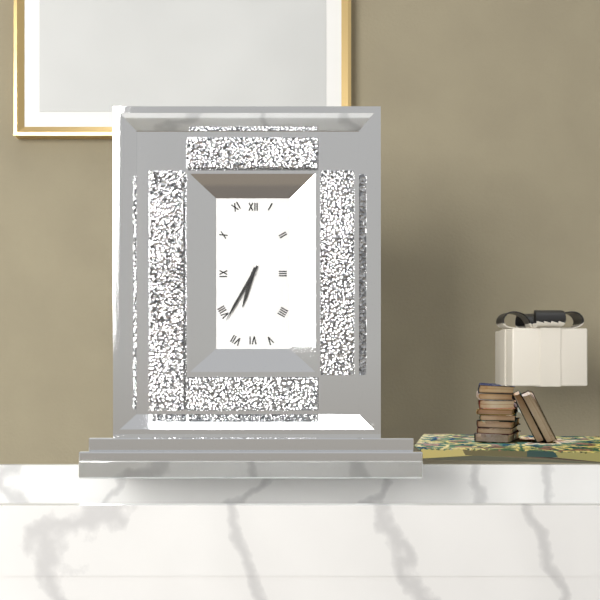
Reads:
h=6 m=35
